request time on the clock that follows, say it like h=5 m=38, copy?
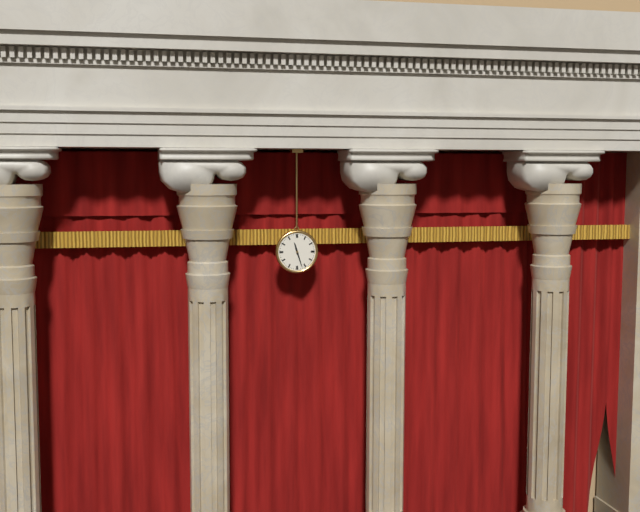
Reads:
h=11 m=27
